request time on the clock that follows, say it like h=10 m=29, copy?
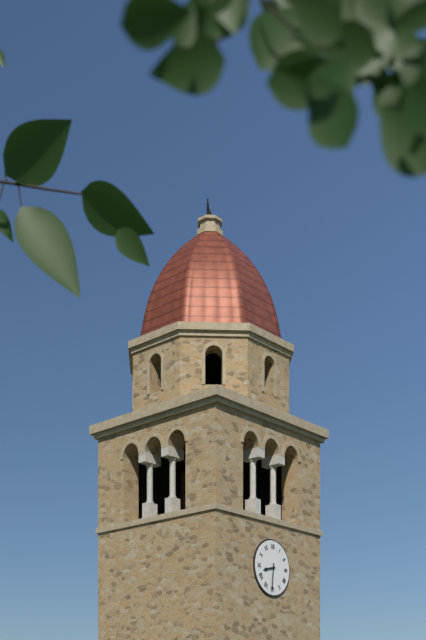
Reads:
h=8 m=31
